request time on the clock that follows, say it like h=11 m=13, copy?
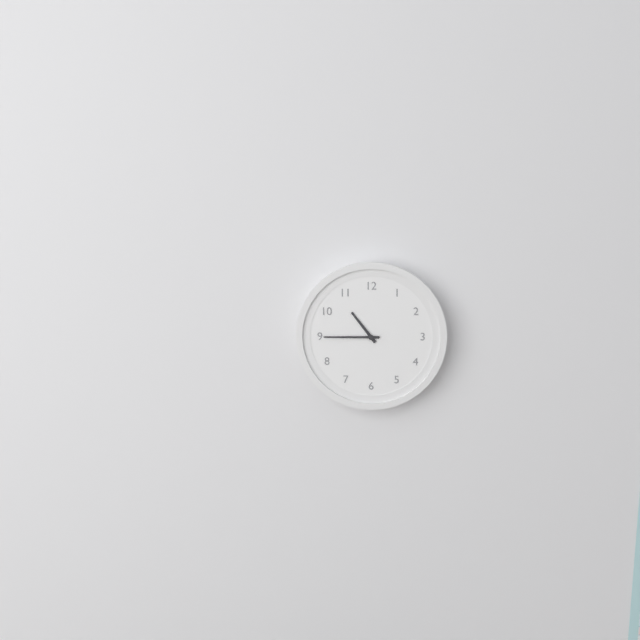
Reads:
h=10 m=45
